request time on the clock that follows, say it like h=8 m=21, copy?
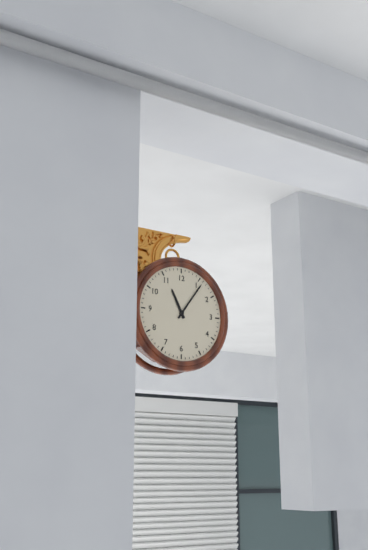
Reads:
h=11 m=6
